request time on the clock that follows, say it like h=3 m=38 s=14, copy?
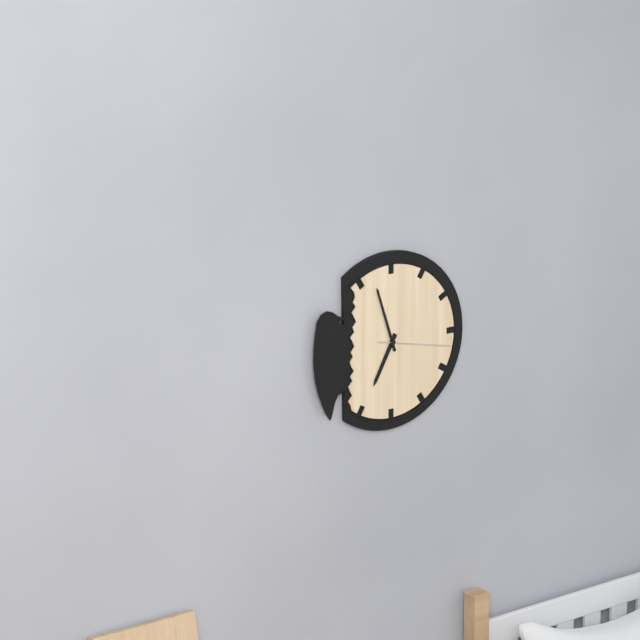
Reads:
h=6 m=57 s=17
